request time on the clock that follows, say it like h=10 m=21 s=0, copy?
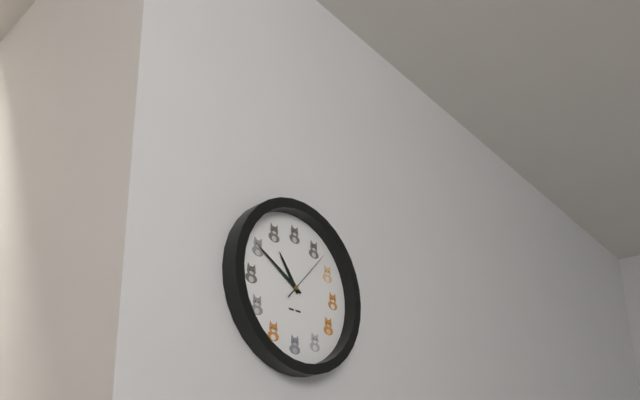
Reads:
h=10 m=50 s=7
